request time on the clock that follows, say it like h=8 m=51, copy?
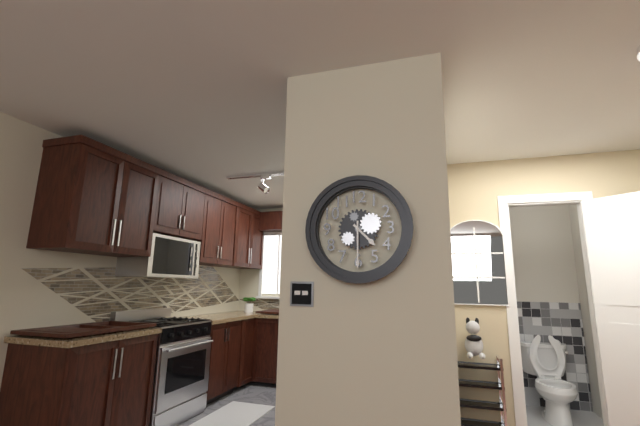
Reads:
h=4 m=30
